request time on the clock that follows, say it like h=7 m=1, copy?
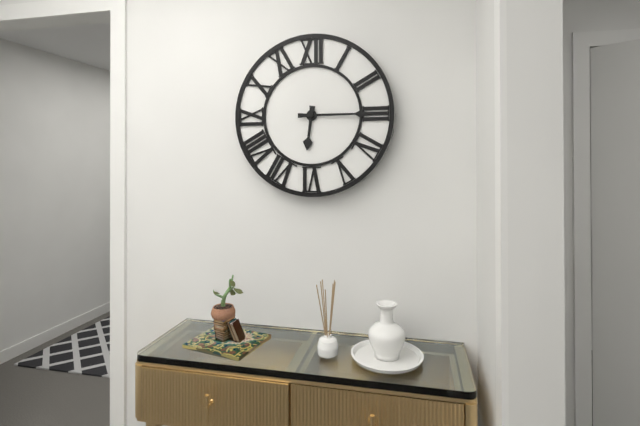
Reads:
h=6 m=15
